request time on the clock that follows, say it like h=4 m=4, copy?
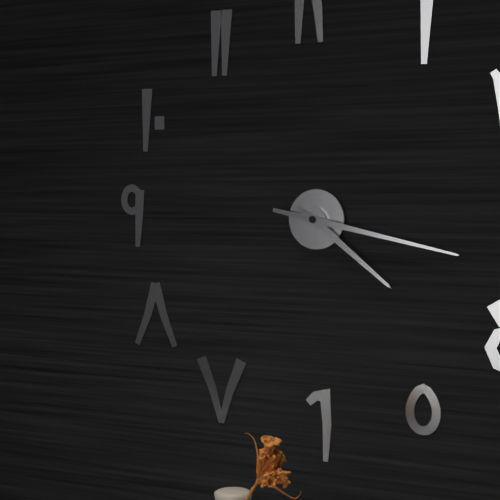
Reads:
h=4 m=17
